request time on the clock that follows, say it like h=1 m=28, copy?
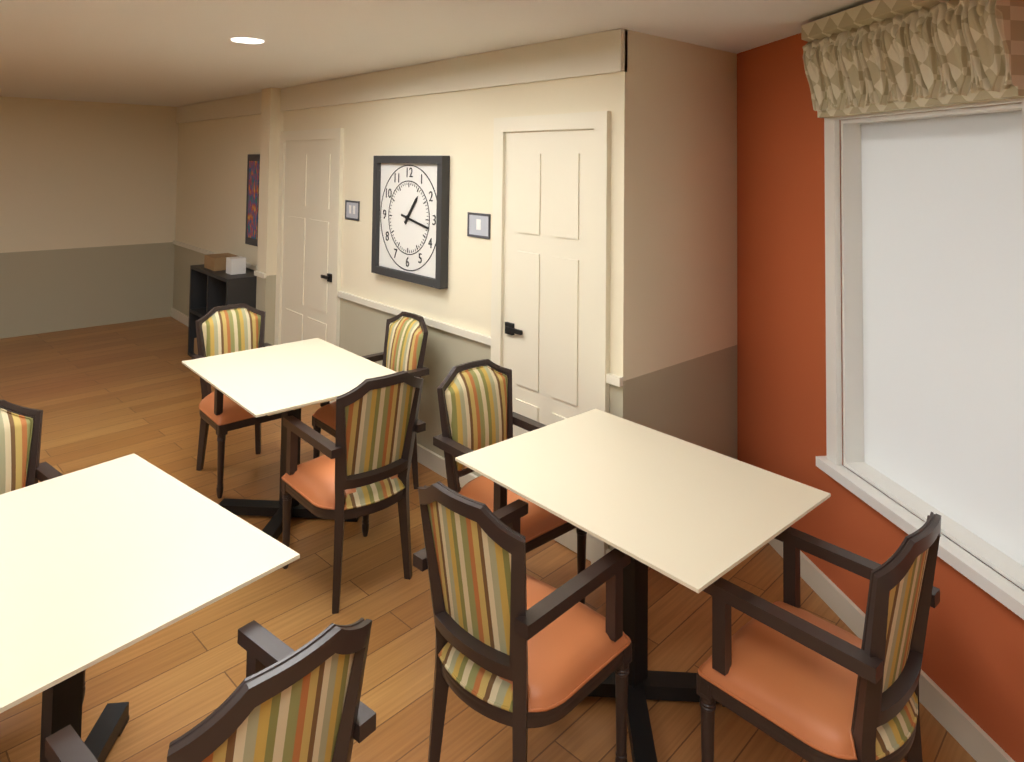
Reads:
h=1 m=17
